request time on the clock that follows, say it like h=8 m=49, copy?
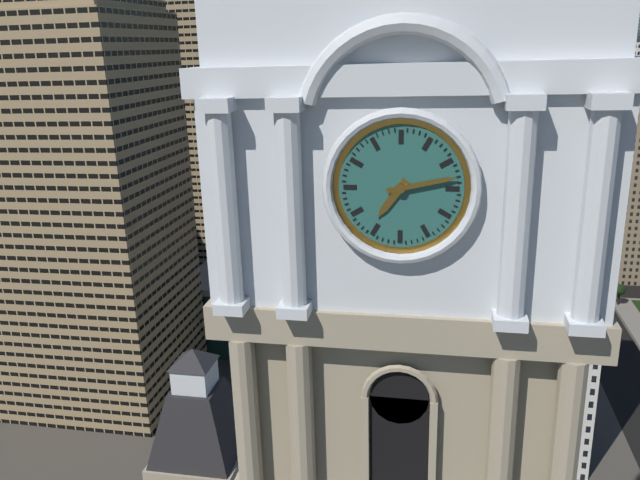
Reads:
h=7 m=13
